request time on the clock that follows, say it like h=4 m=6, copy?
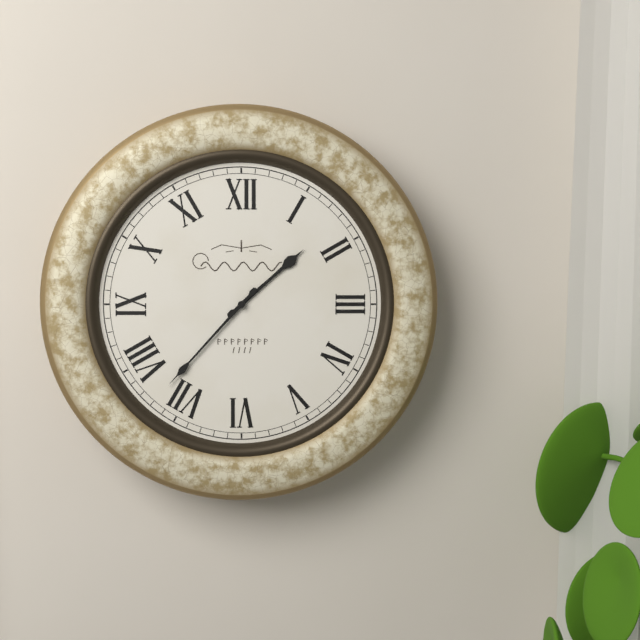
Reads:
h=1 m=37
